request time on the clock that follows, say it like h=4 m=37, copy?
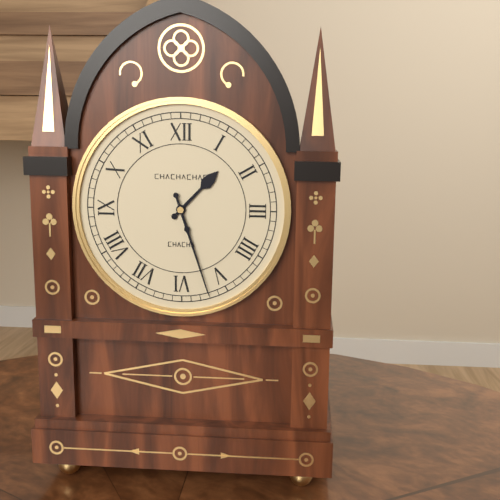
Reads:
h=1 m=27
